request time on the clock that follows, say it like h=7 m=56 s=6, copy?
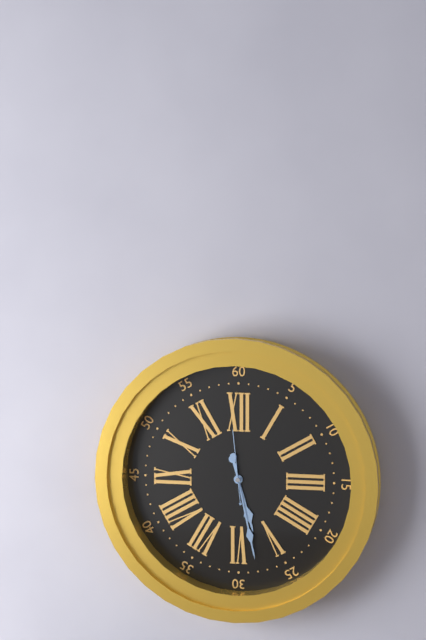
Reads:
h=5 m=28 s=59
